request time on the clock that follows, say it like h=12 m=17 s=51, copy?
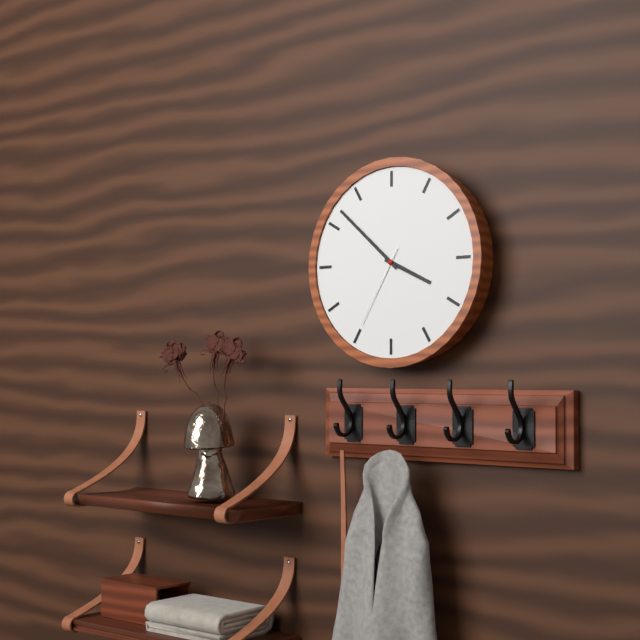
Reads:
h=3 m=52 s=35
